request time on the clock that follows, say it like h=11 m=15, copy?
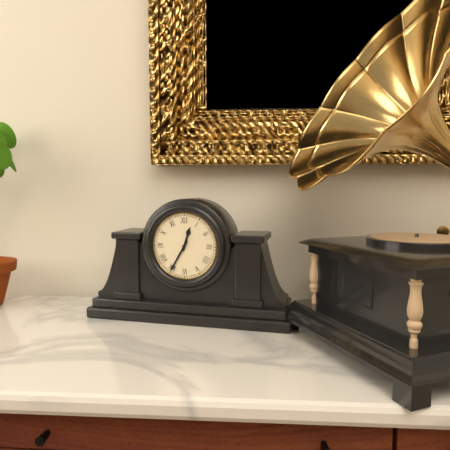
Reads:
h=12 m=35
